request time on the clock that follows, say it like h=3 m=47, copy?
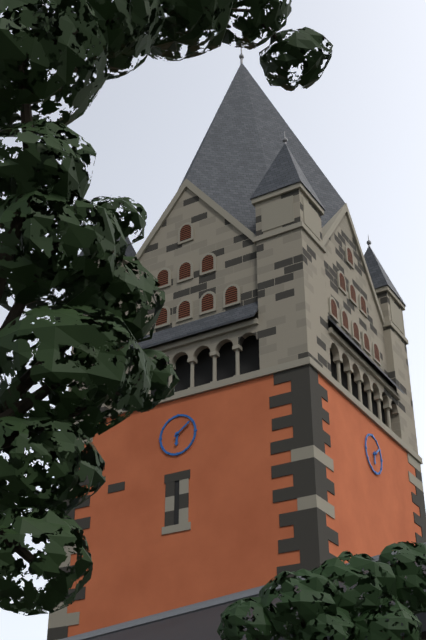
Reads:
h=6 m=9
